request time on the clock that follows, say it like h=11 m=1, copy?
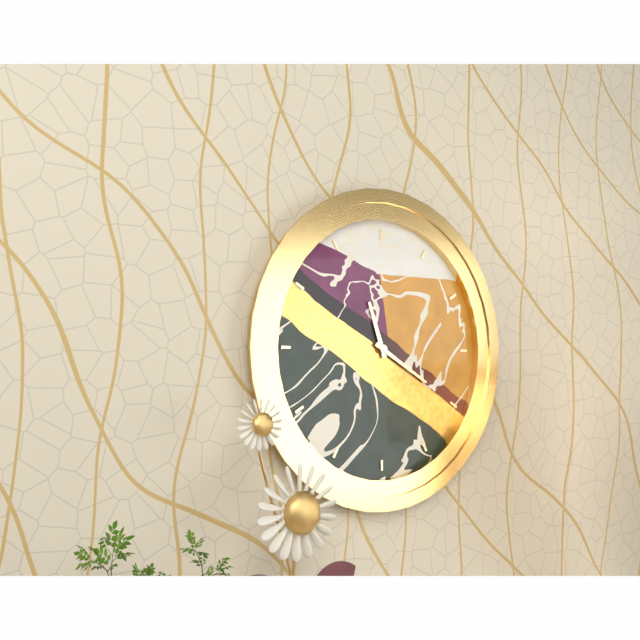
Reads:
h=11 m=20
